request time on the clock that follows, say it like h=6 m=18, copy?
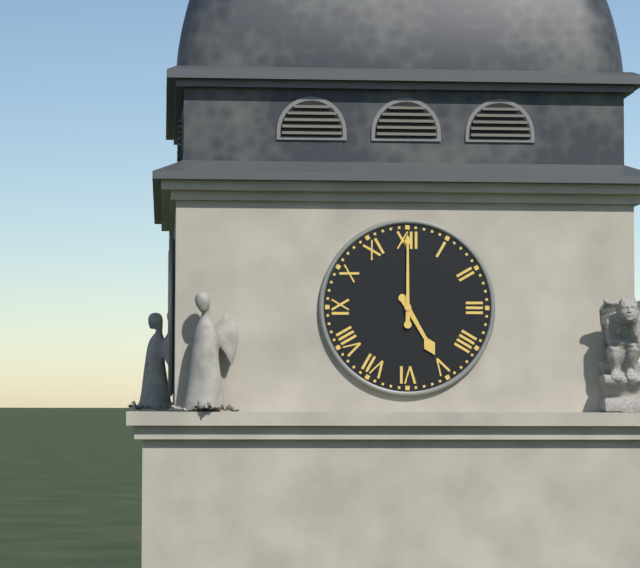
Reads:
h=5 m=0
